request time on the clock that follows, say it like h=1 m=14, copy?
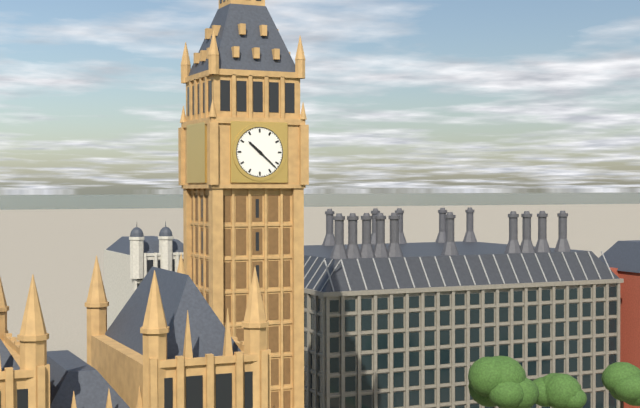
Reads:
h=10 m=22
